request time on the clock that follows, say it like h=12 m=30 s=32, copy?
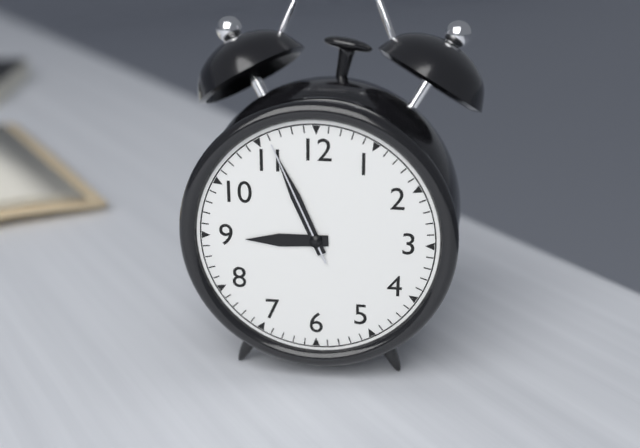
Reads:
h=8 m=56 s=56
